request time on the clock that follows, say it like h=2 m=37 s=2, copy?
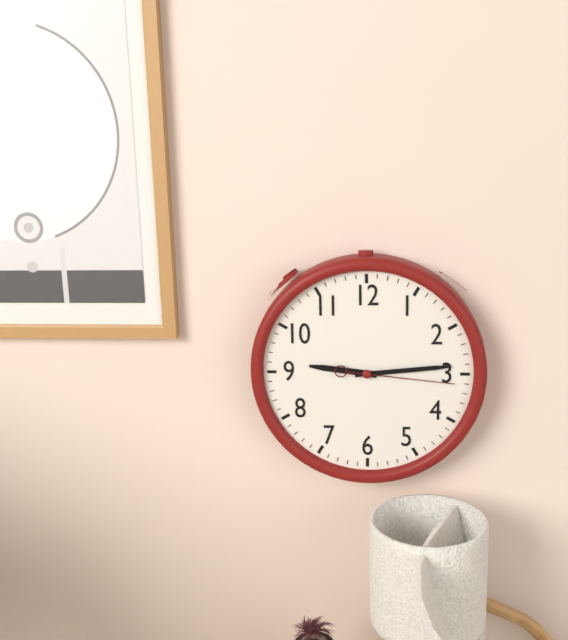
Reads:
h=9 m=14 s=16
